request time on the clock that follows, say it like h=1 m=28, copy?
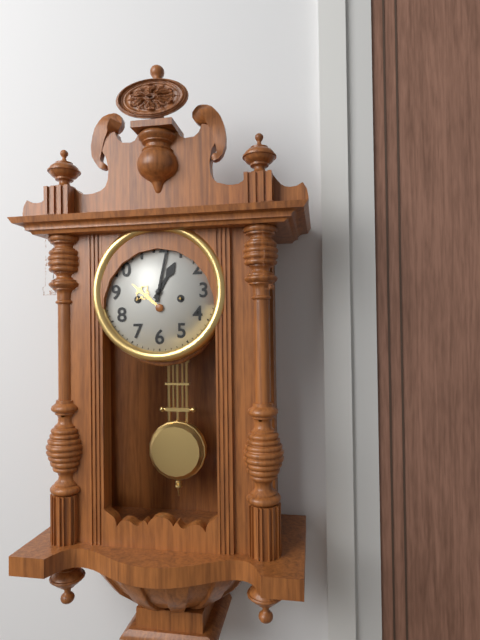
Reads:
h=1 m=2
